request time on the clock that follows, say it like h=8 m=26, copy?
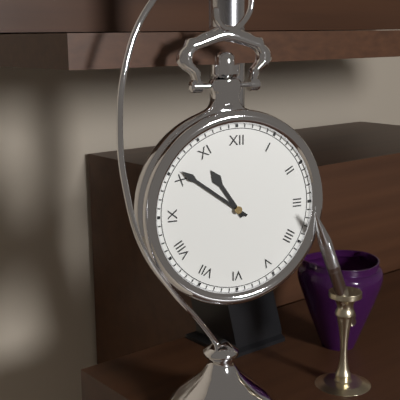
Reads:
h=10 m=51
